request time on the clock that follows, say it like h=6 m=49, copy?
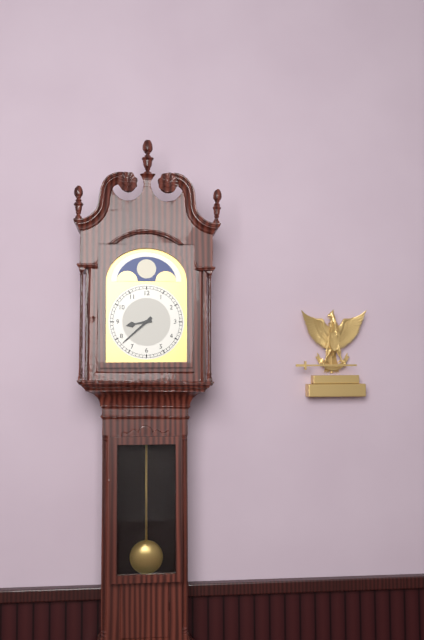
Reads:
h=8 m=38
